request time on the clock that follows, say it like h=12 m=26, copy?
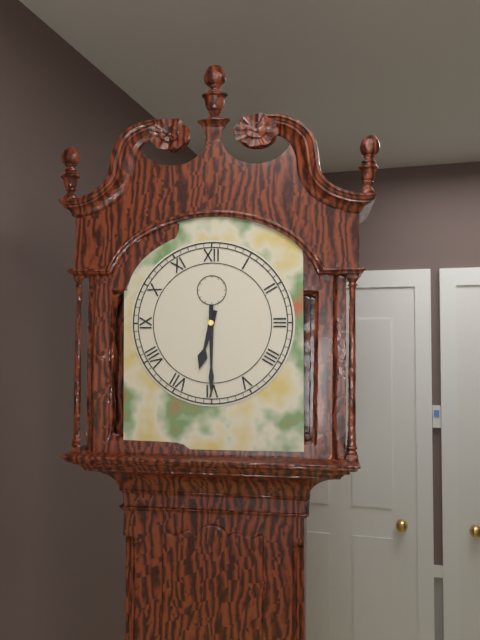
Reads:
h=6 m=30
